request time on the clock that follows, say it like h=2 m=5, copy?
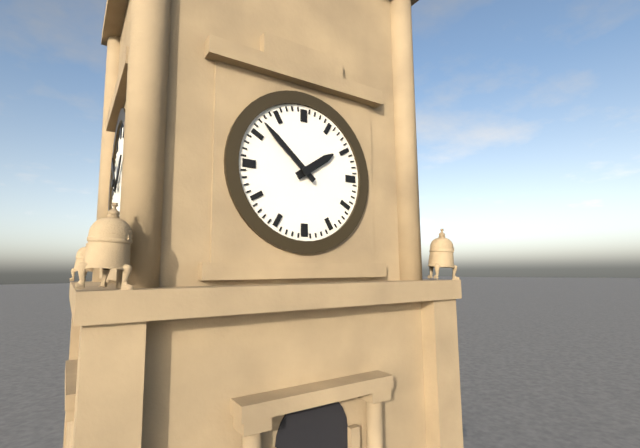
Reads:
h=1 m=52
